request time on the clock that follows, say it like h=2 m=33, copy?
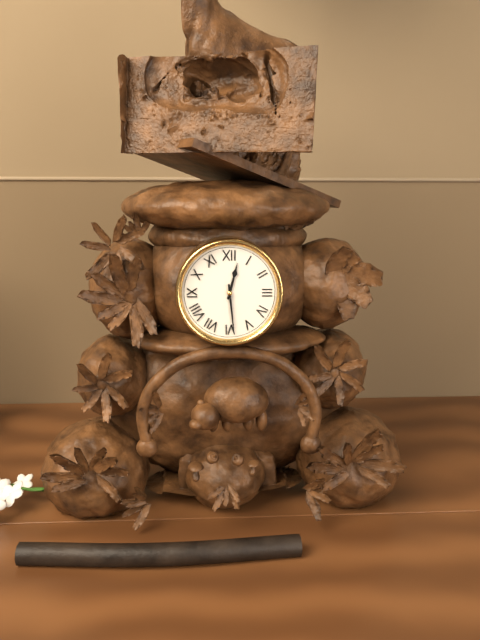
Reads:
h=12 m=29
